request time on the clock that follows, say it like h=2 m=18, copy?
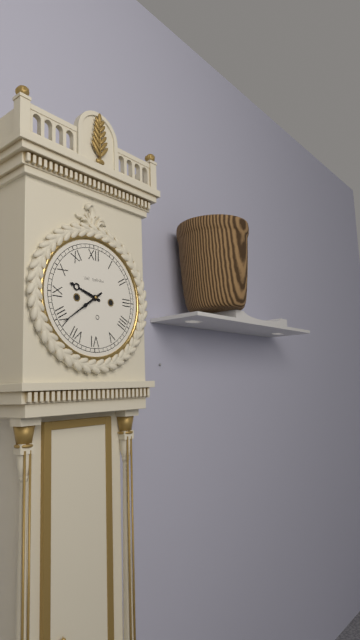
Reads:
h=9 m=39
